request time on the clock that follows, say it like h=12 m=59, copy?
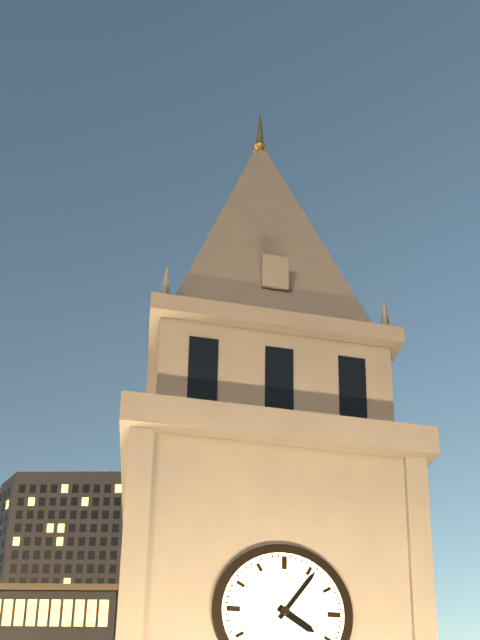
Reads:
h=4 m=6
